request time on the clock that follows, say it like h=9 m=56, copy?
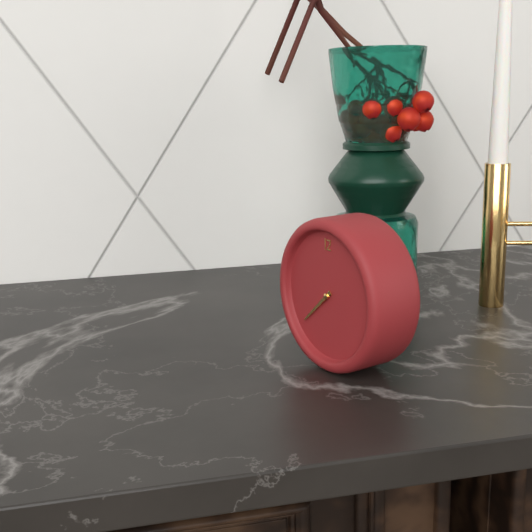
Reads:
h=7 m=38
